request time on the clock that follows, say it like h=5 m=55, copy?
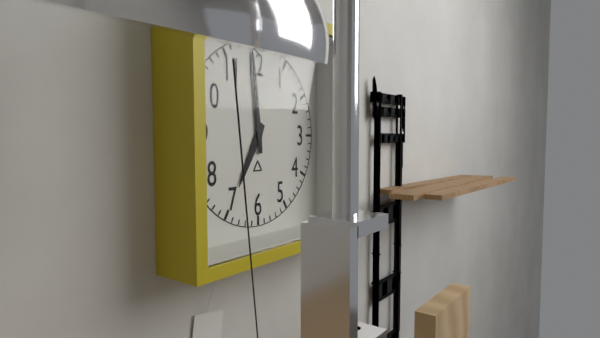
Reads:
h=6 m=59
